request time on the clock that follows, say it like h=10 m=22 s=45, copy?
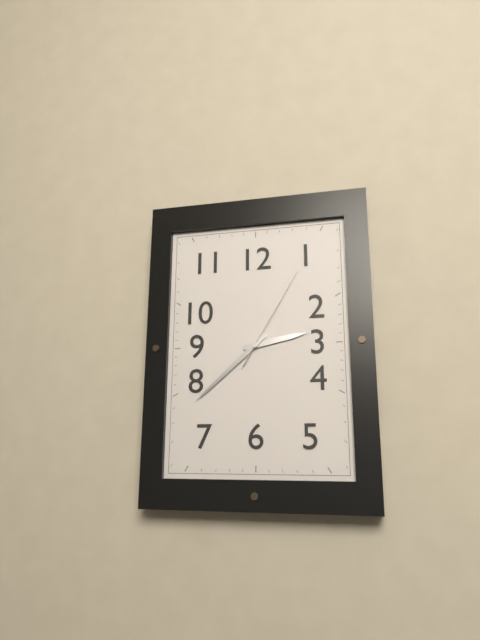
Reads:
h=2 m=38 s=5
